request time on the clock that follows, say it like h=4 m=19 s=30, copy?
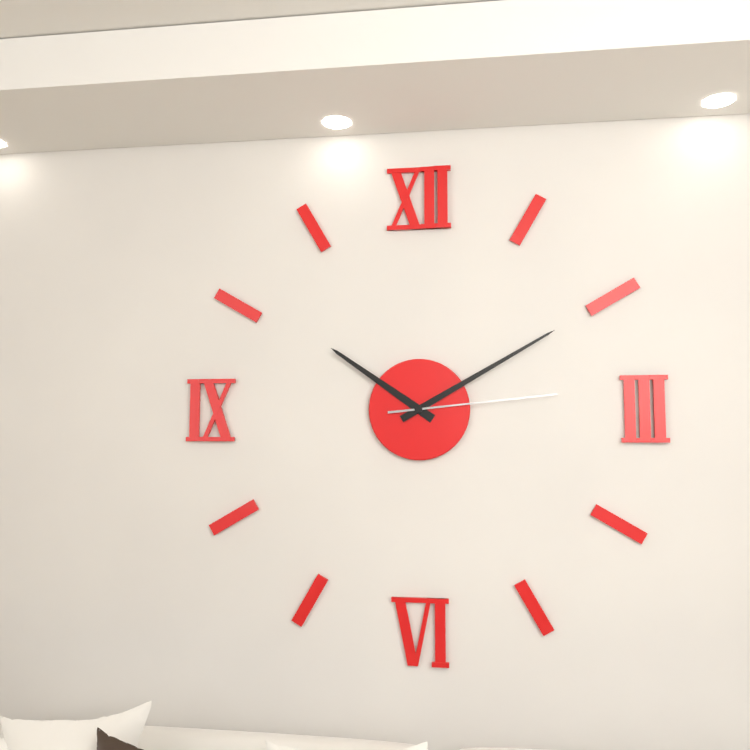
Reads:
h=10 m=10 s=14
